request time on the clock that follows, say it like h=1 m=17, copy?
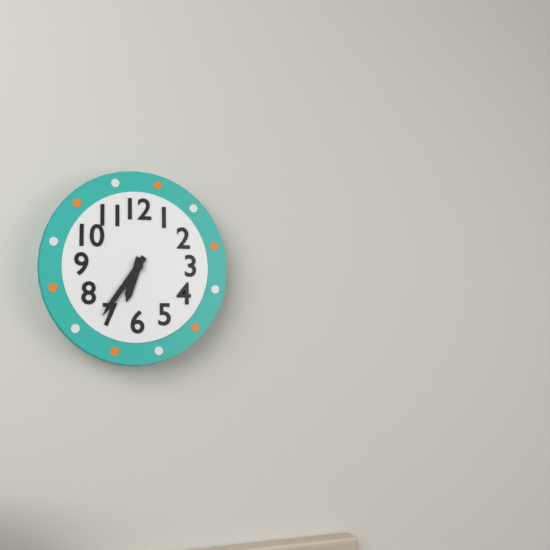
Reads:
h=6 m=36
